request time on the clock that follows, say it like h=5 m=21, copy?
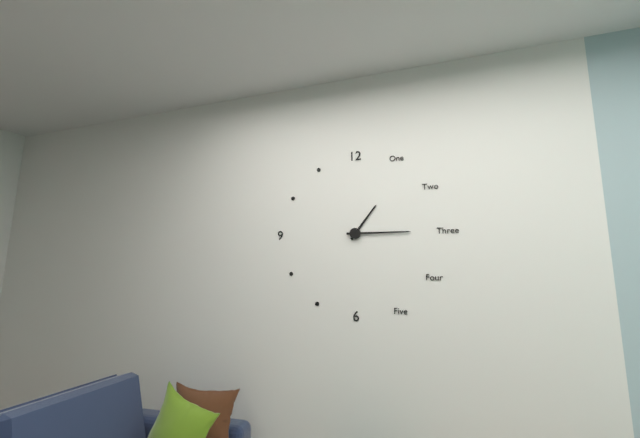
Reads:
h=1 m=15
